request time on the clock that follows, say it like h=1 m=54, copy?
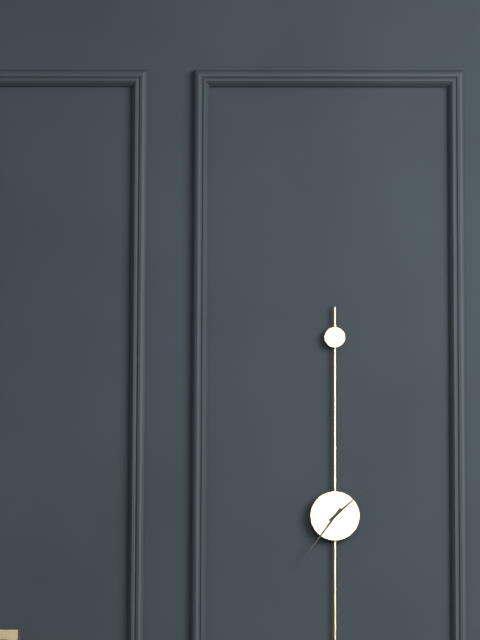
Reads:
h=1 m=36
